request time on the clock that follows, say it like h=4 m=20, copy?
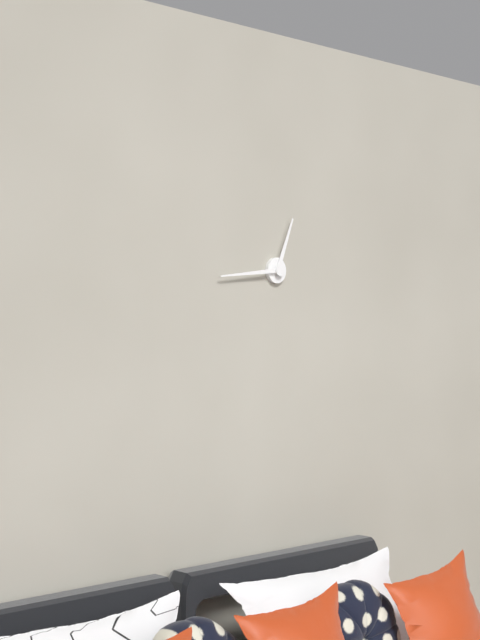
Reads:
h=12 m=44
